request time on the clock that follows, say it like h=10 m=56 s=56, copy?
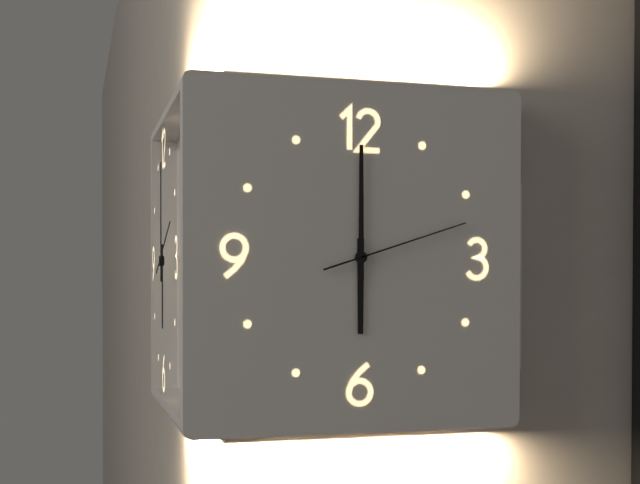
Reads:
h=6 m=0 s=12
